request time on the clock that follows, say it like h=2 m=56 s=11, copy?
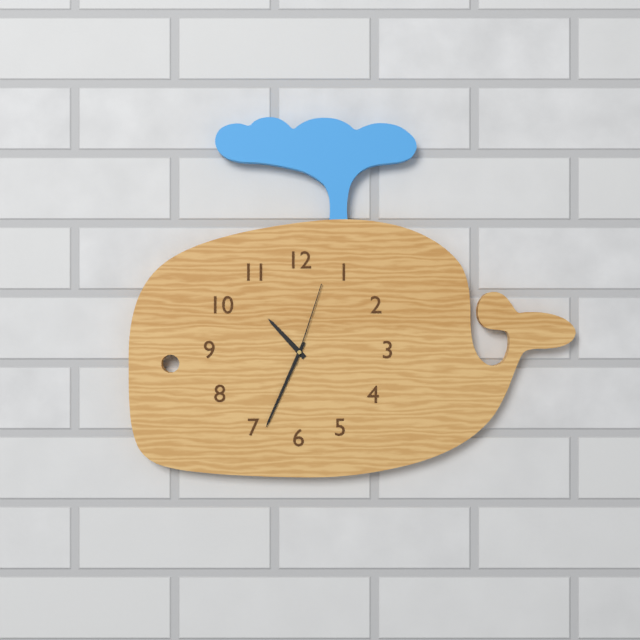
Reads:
h=10 m=34 s=3
